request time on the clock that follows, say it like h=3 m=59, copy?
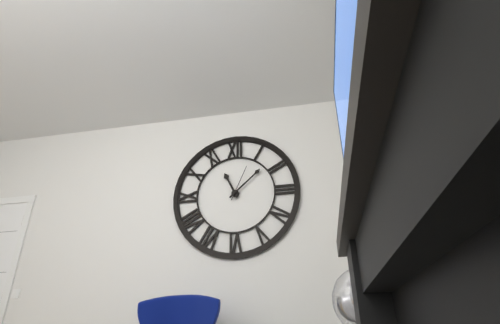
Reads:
h=11 m=8
